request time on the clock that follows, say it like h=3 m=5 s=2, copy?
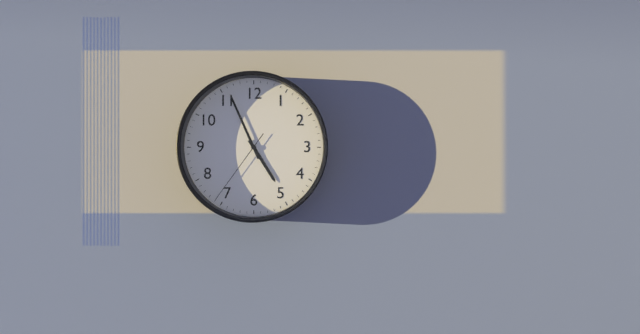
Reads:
h=4 m=56 s=36
